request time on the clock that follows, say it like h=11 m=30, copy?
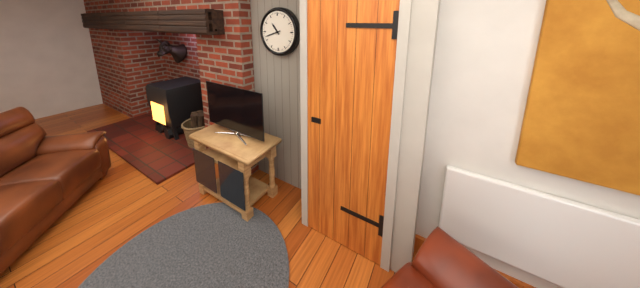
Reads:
h=10 m=42
